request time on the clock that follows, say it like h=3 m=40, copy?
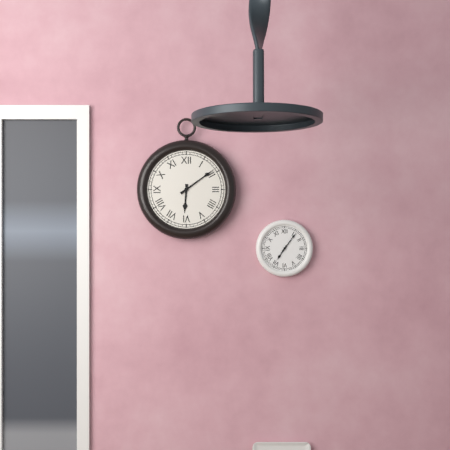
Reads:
h=6 m=9
